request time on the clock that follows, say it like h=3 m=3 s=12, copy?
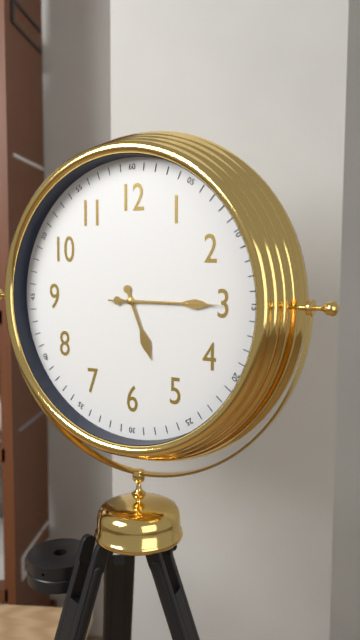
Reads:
h=5 m=15 s=15
